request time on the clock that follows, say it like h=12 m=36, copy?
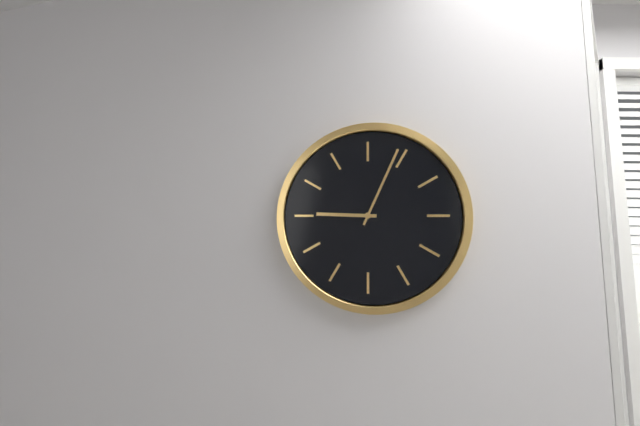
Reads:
h=9 m=4
